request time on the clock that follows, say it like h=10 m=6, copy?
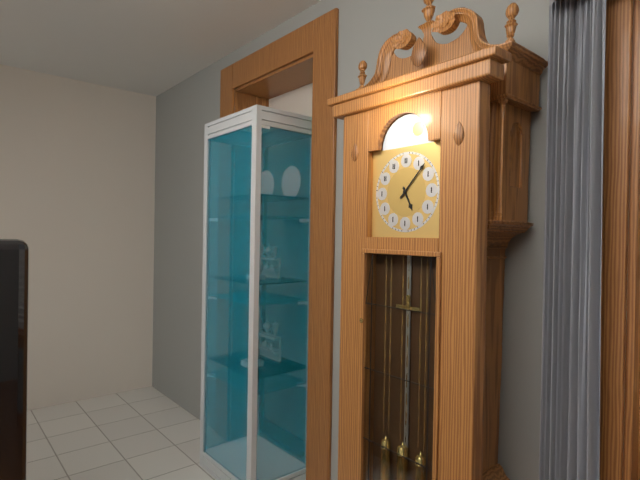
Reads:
h=5 m=7
